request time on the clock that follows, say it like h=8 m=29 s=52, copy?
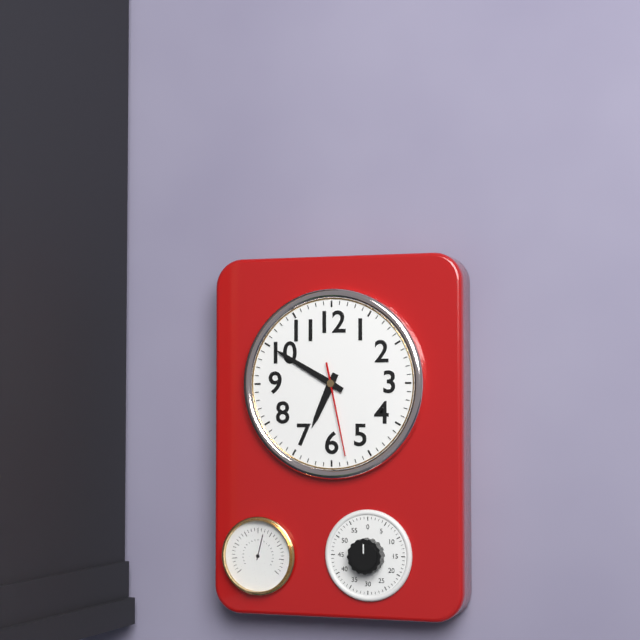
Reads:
h=6 m=50 s=28
